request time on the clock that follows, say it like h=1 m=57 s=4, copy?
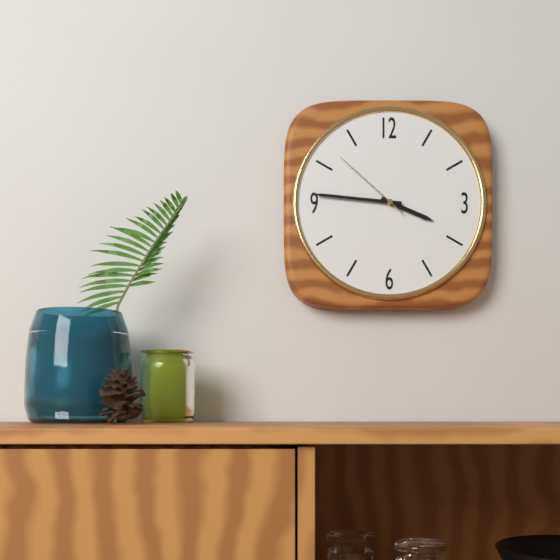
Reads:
h=3 m=46 s=52
